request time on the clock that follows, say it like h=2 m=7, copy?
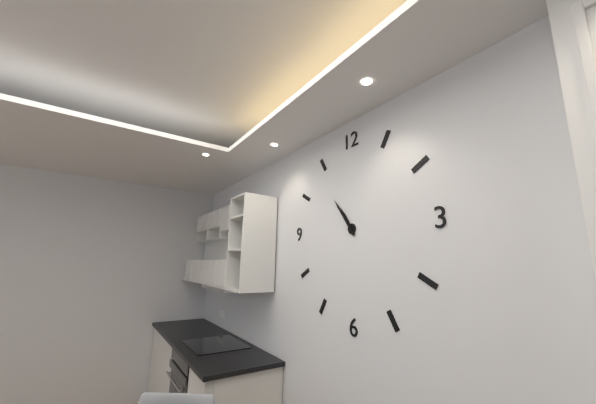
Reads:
h=10 m=54
